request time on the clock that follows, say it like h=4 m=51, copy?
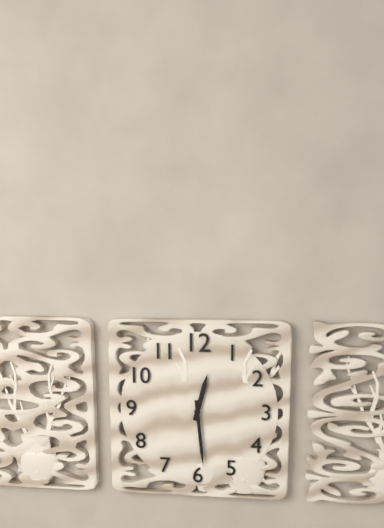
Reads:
h=12 m=29
